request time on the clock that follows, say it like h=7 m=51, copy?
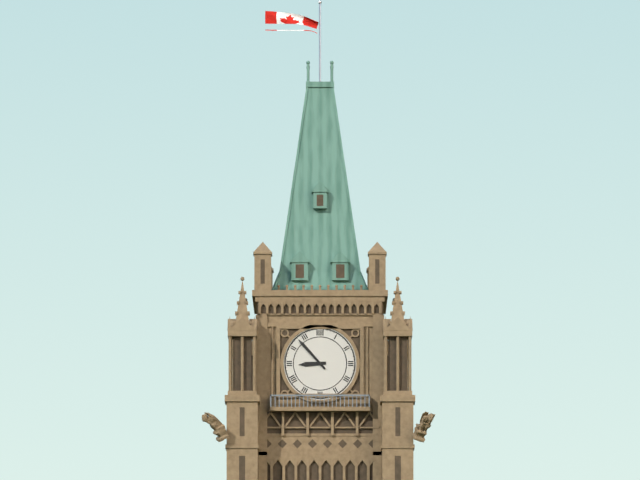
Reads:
h=8 m=53
